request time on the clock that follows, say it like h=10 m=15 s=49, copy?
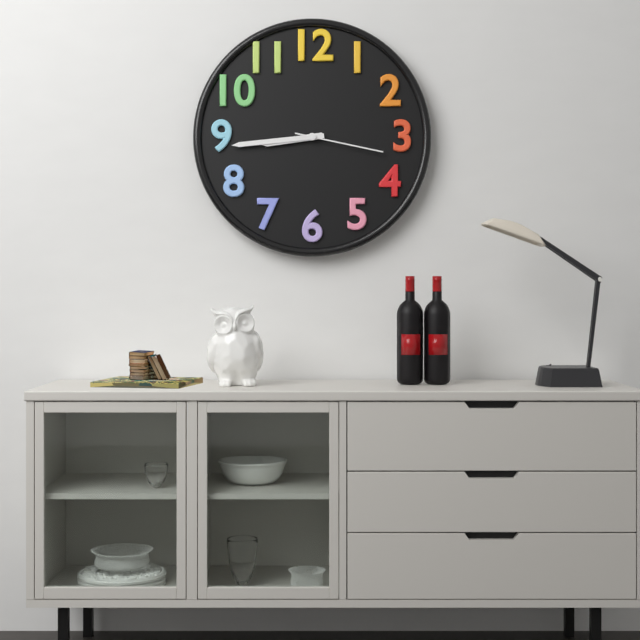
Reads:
h=8 m=44 s=17
